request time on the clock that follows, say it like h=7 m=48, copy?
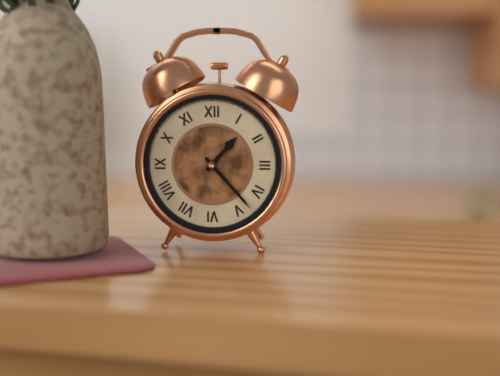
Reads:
h=1 m=23
